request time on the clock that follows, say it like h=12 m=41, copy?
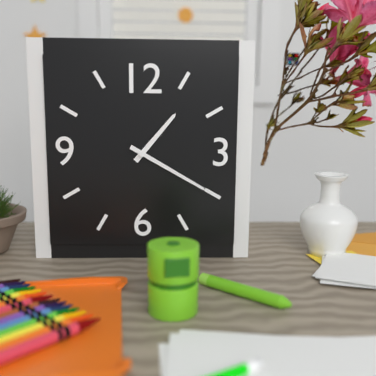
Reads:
h=1 m=20
